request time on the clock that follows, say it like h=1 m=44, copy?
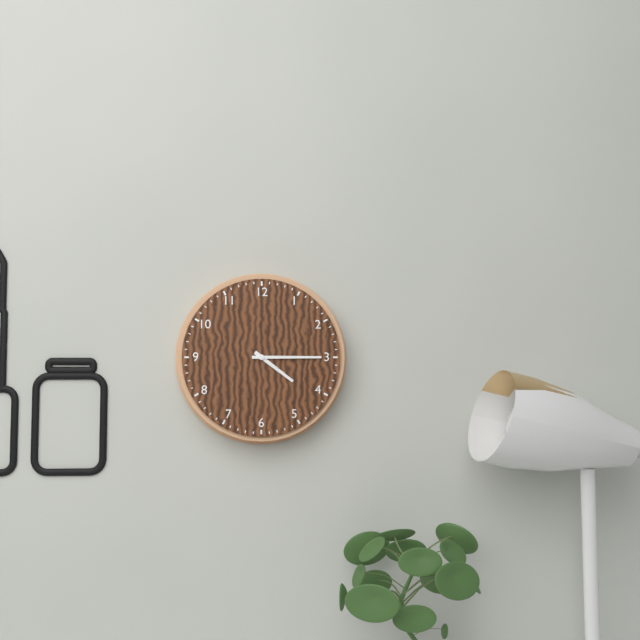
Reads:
h=4 m=15
